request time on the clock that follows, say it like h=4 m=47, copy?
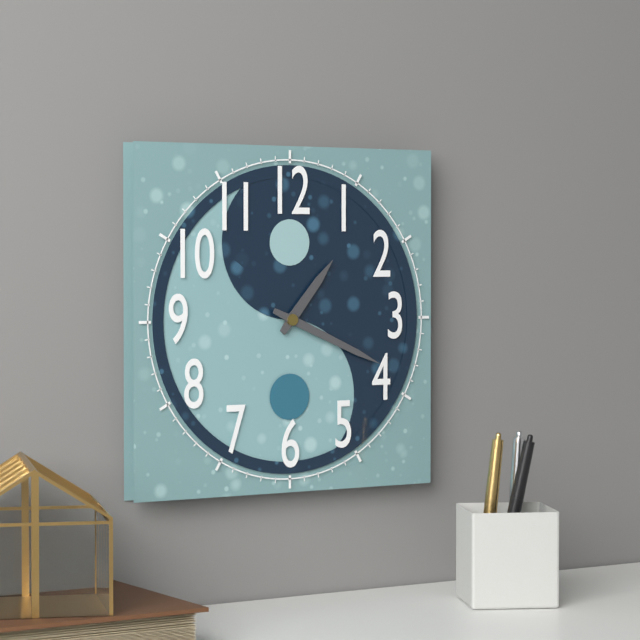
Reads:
h=1 m=19
